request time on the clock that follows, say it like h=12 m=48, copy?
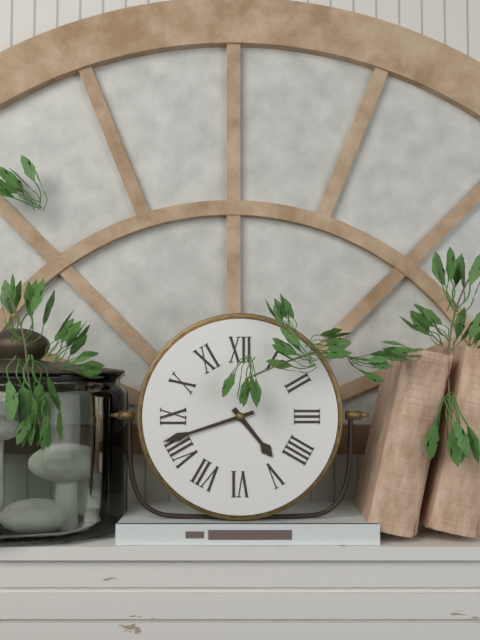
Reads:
h=4 m=42
